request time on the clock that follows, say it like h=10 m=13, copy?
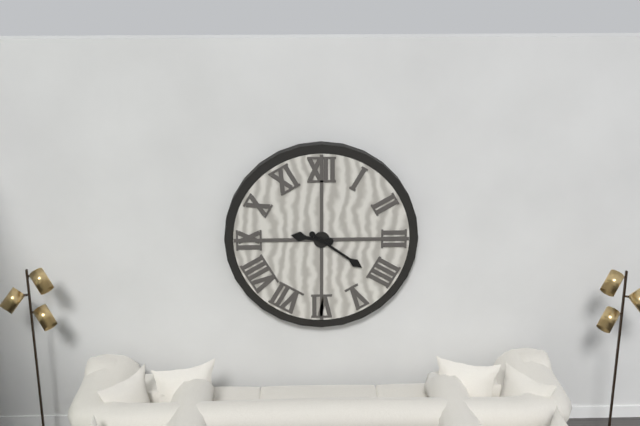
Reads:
h=9 m=21
